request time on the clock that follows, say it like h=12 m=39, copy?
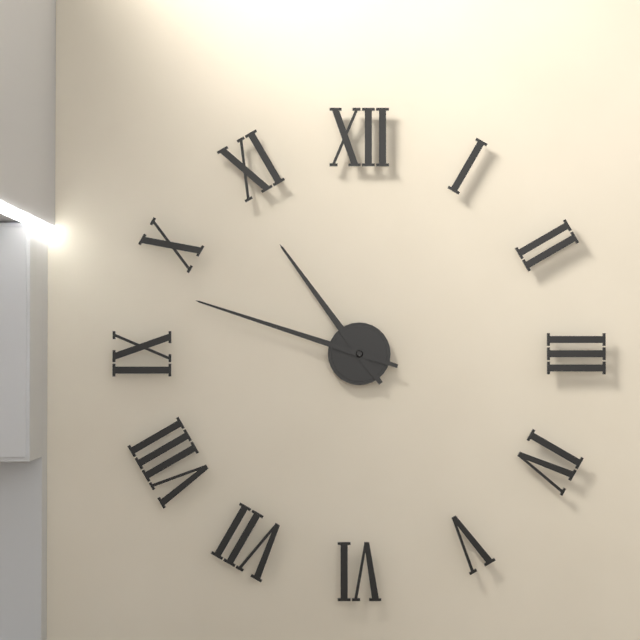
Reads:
h=10 m=48
